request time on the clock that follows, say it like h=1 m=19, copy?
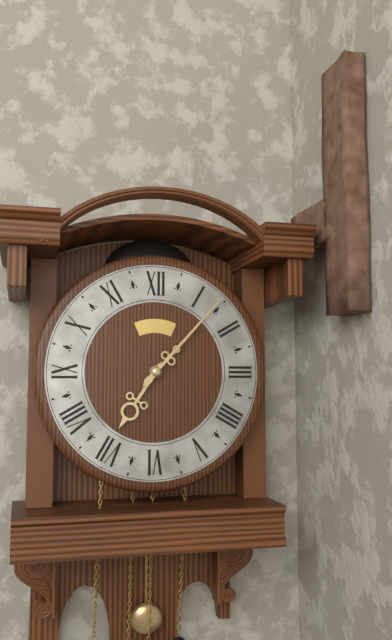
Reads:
h=7 m=7
